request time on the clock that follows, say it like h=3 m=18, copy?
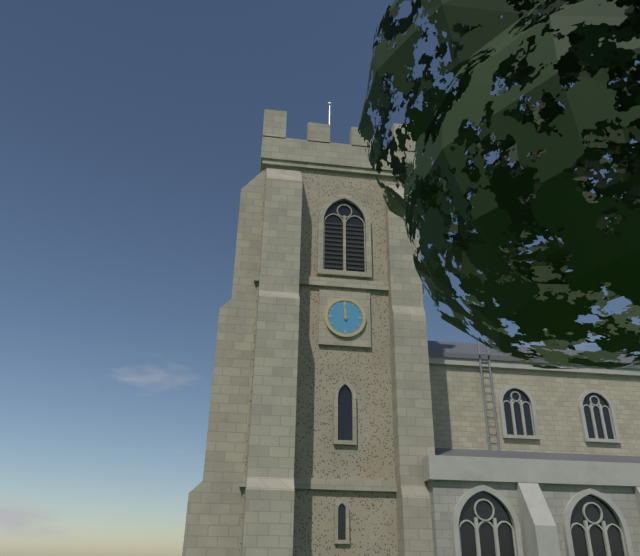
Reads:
h=11 m=59
